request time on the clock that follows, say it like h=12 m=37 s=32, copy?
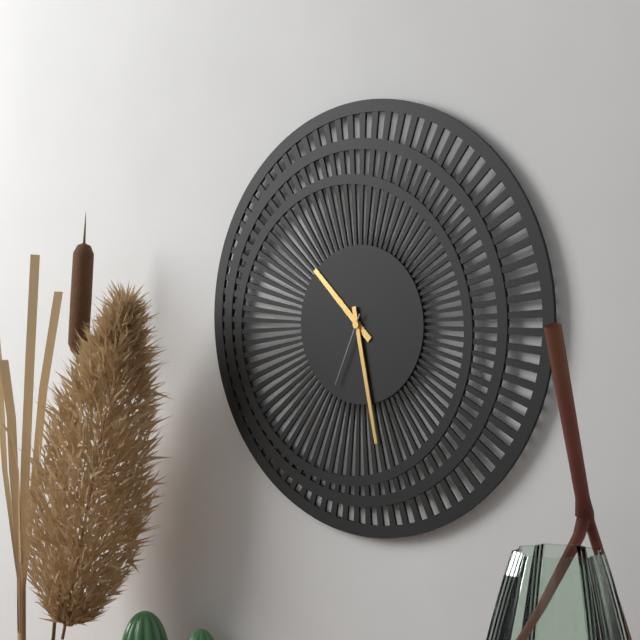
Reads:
h=10 m=28 s=34
